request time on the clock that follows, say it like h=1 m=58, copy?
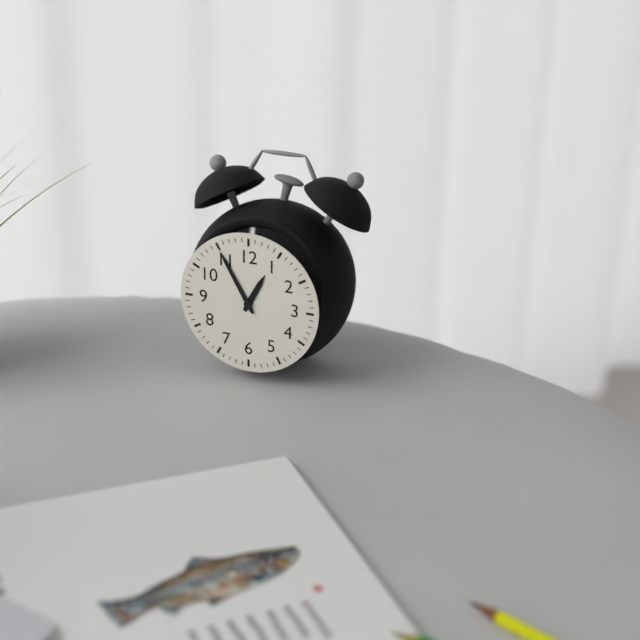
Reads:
h=12 m=55
